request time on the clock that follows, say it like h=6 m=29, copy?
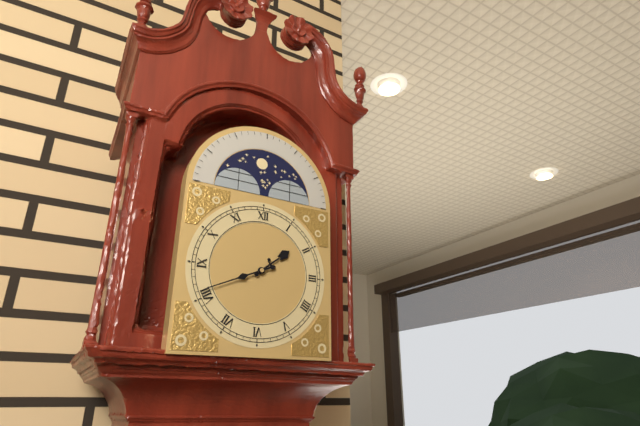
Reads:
h=1 m=41
